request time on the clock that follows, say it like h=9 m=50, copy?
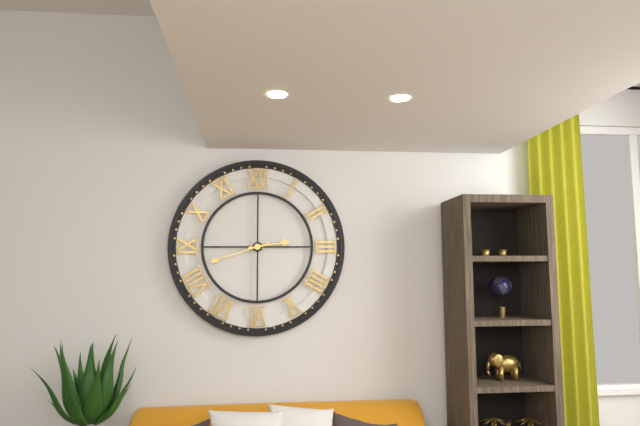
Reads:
h=2 m=42
